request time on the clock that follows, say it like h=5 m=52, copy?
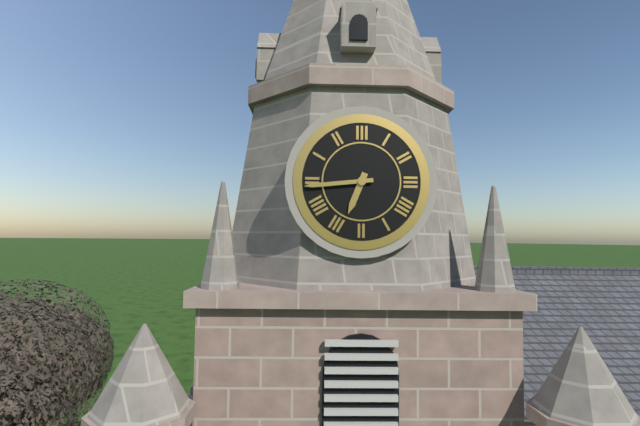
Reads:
h=6 m=44
